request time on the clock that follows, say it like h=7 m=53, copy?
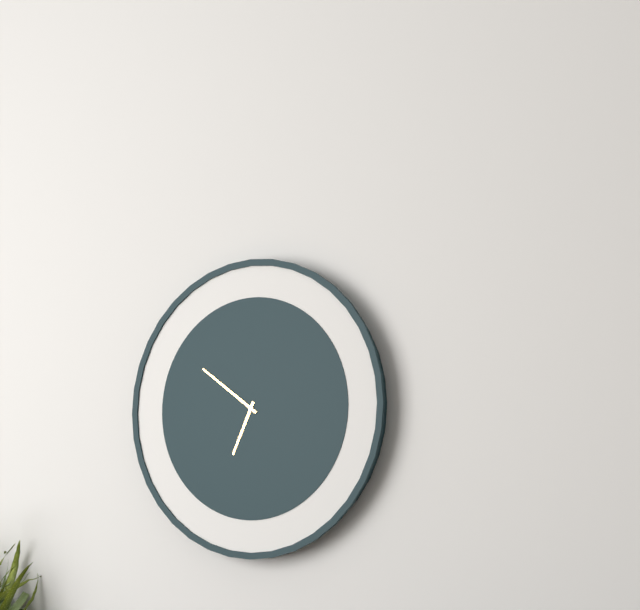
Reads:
h=6 m=51
